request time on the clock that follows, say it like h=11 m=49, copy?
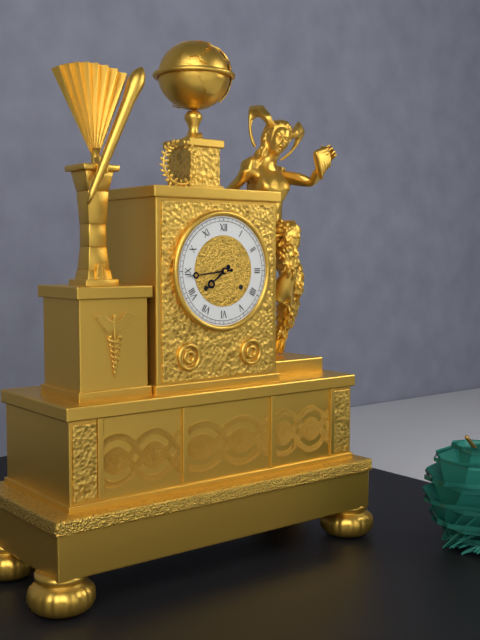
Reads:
h=7 m=44
